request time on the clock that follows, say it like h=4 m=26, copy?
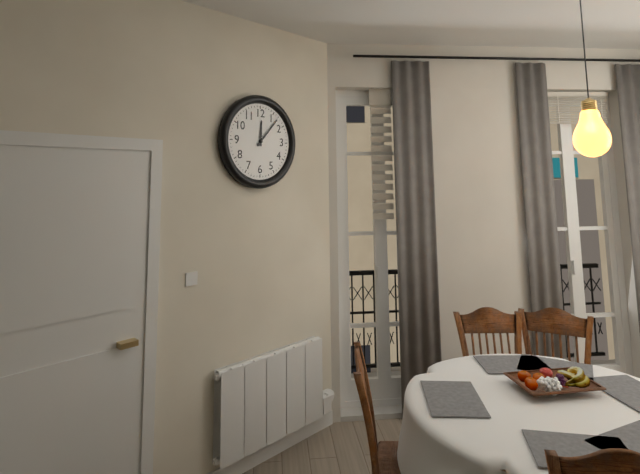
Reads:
h=12 m=7
